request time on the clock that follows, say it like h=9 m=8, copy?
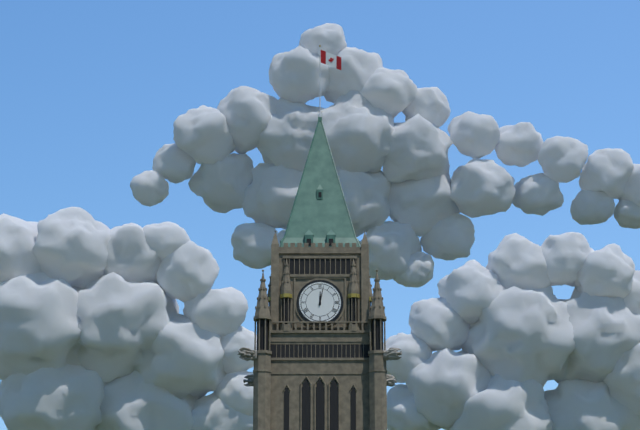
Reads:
h=12 m=2
